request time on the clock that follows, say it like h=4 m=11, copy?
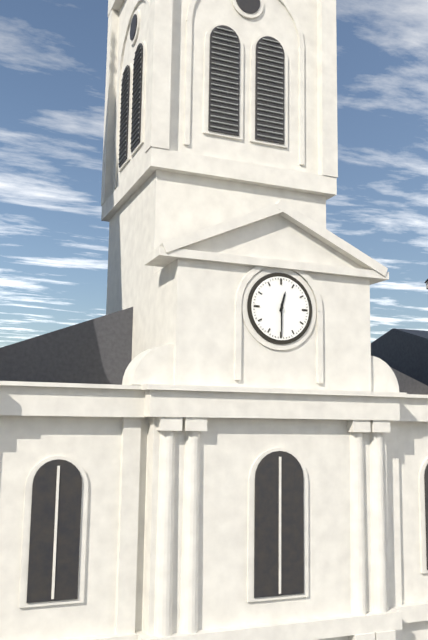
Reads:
h=12 m=30
